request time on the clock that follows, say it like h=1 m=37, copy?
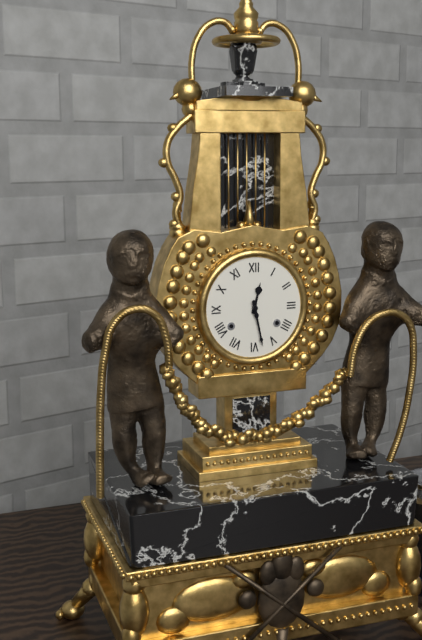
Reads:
h=12 m=28
